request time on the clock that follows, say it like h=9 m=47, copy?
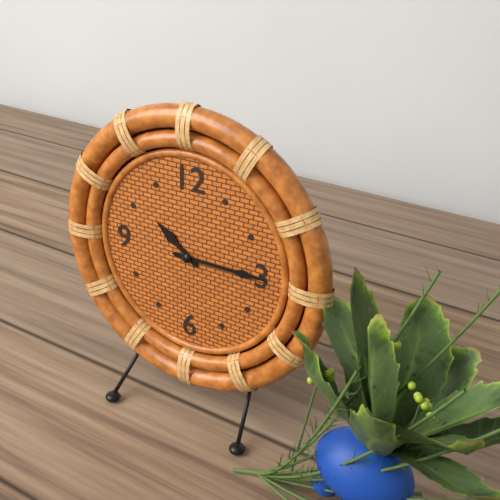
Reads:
h=10 m=15
